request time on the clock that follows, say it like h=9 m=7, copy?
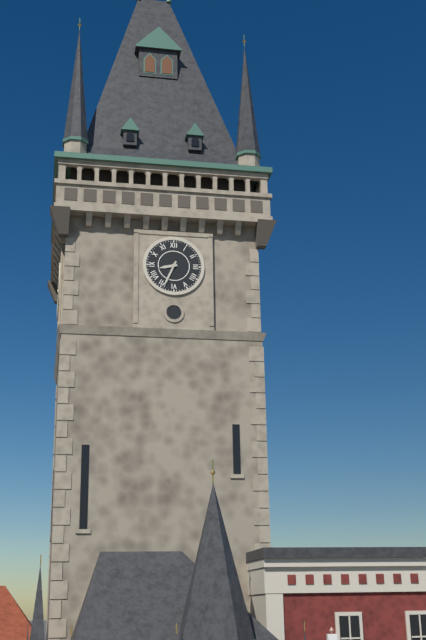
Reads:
h=8 m=34
